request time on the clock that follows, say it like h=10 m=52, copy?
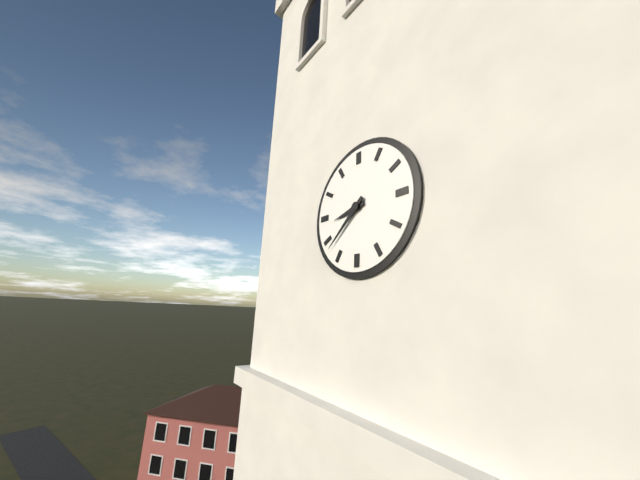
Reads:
h=8 m=38
